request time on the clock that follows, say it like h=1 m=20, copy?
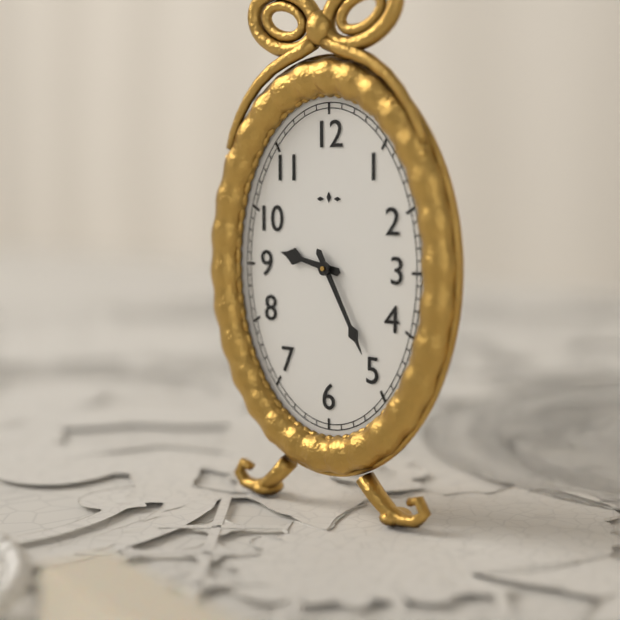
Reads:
h=9 m=25
